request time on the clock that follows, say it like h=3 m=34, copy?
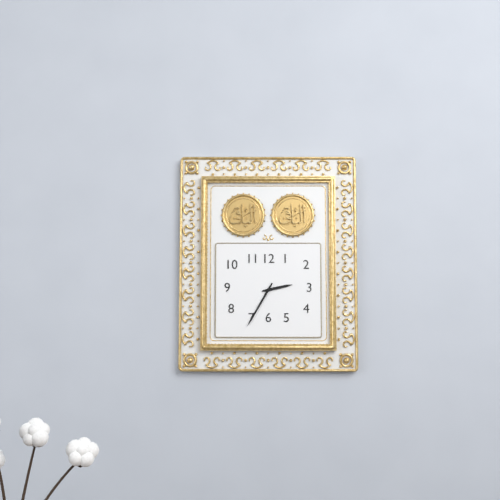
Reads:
h=2 m=35
